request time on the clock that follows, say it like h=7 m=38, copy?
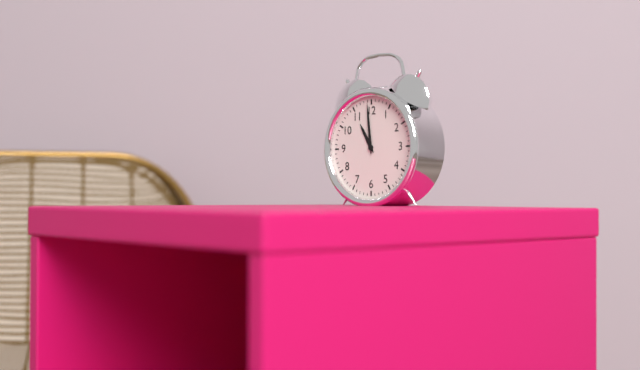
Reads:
h=10 m=59
